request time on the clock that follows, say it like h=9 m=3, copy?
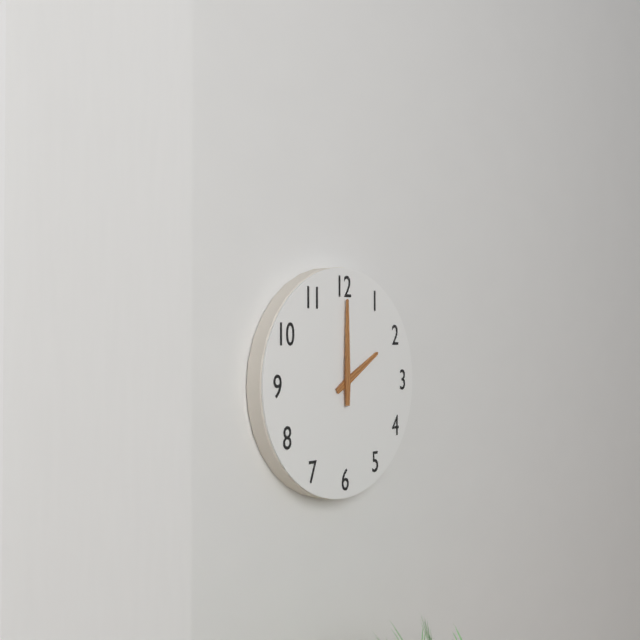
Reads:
h=2 m=0
